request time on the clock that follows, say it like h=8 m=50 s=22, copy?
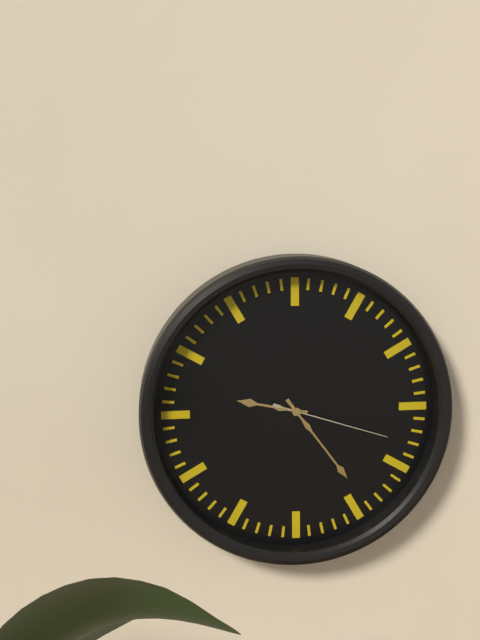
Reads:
h=9 m=24 s=18
